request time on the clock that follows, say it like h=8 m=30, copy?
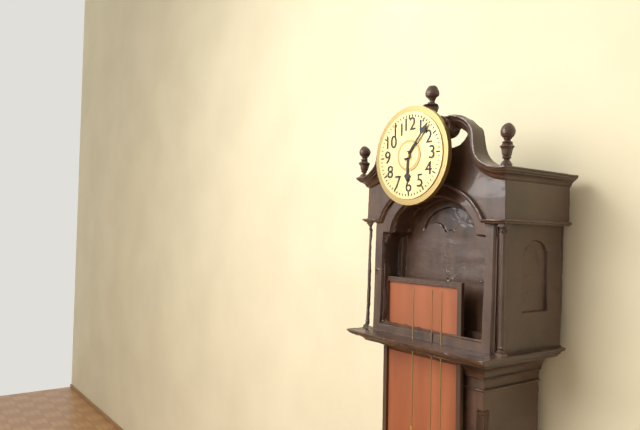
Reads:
h=6 m=7
